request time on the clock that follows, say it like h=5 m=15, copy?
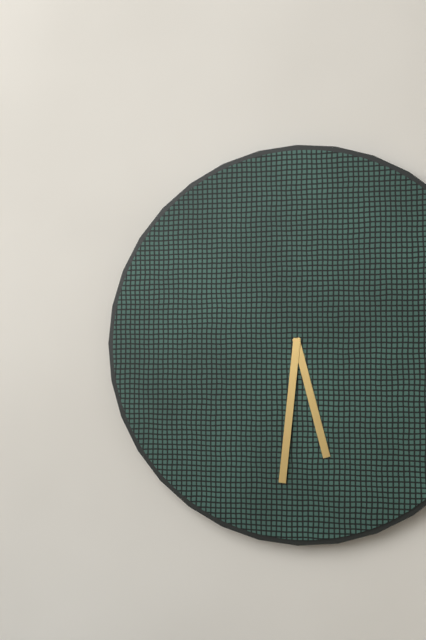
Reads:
h=5 m=31
